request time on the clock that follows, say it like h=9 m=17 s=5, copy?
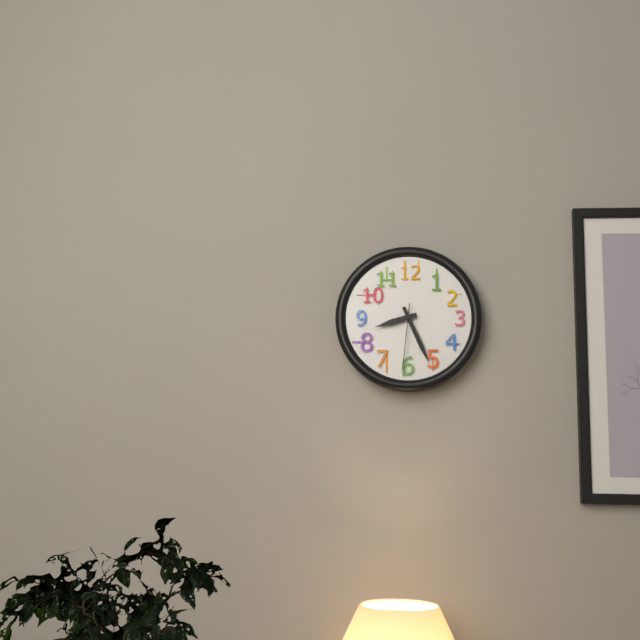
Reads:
h=8 m=26 s=31
